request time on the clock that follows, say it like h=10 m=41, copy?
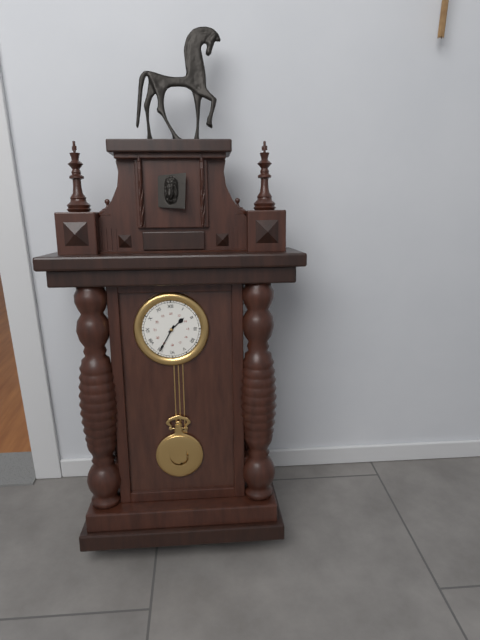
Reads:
h=1 m=35
